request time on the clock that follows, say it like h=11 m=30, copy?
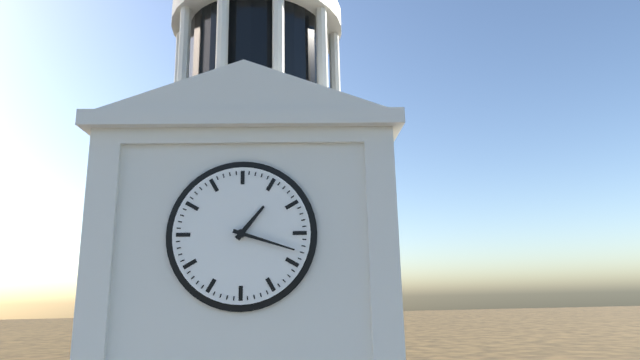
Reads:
h=1 m=18
